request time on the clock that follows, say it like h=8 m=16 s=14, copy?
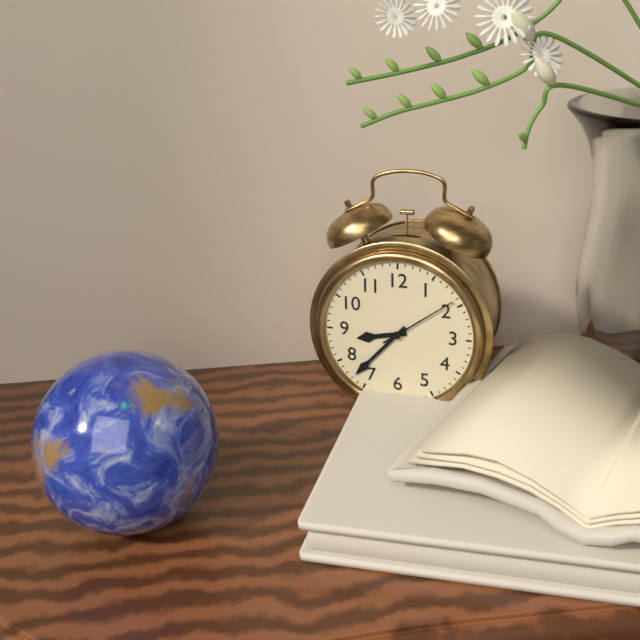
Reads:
h=8 m=37 s=9
